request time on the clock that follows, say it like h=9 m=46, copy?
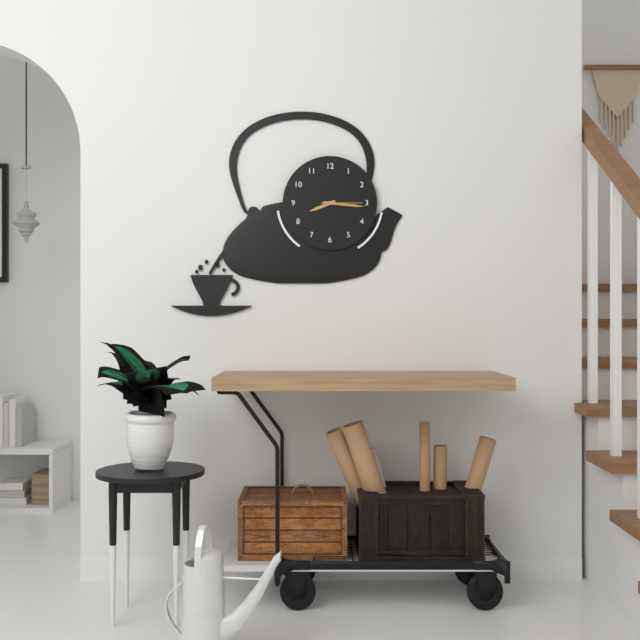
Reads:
h=8 m=16
